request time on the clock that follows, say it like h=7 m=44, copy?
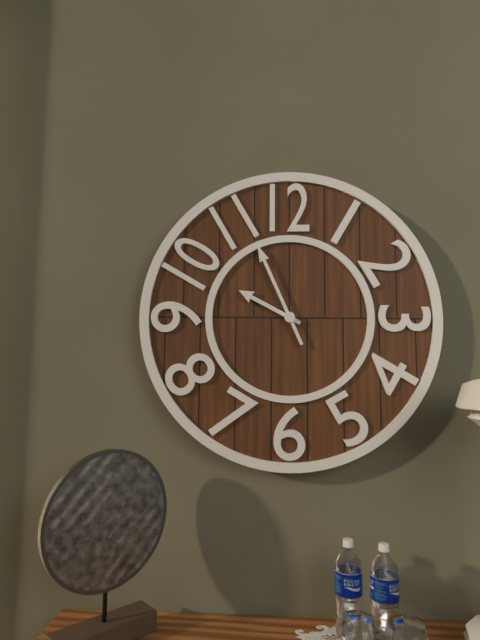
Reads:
h=9 m=56
